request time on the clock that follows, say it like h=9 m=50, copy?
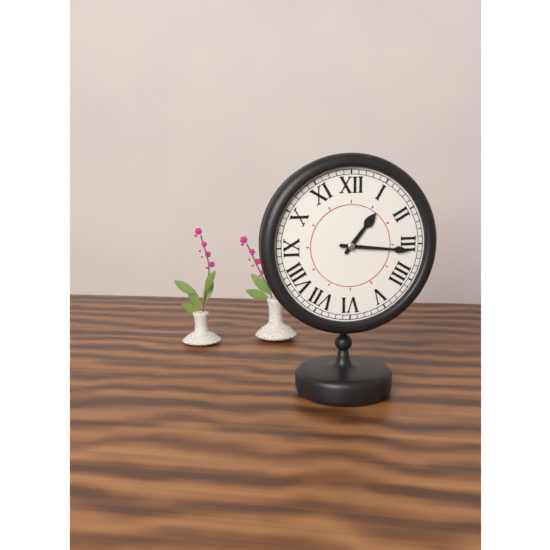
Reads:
h=1 m=16
